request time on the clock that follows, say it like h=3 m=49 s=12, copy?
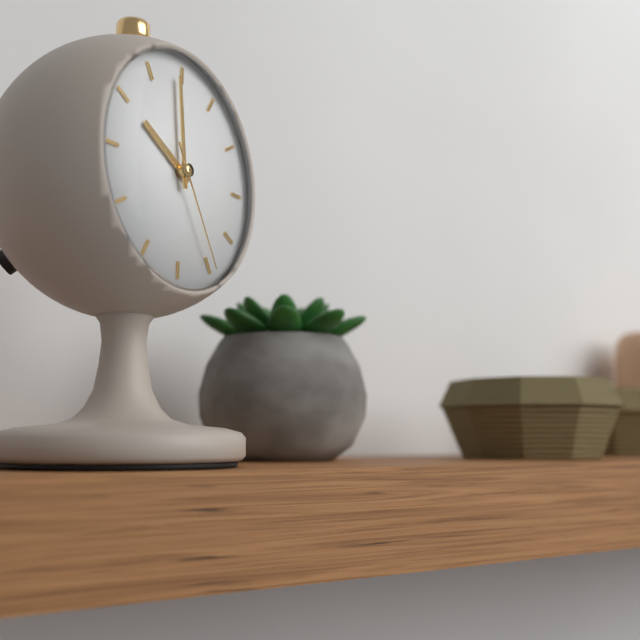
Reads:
h=9 m=59 s=25
